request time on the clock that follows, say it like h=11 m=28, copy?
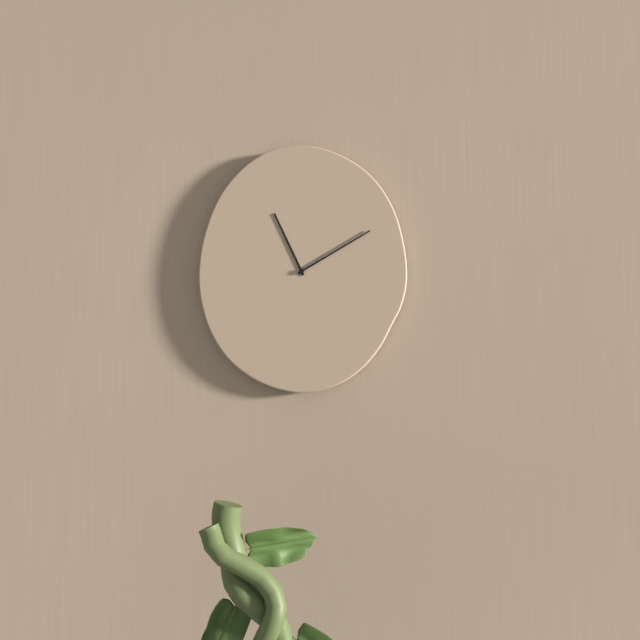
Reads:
h=11 m=10
